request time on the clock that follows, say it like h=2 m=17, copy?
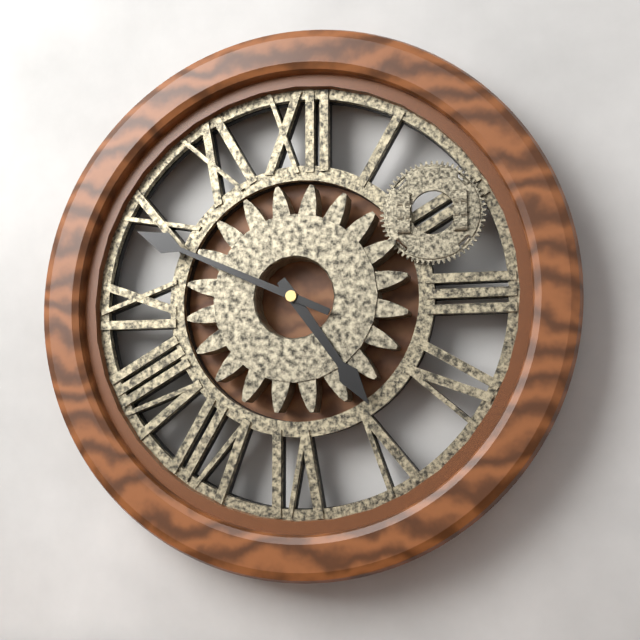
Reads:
h=4 m=49
